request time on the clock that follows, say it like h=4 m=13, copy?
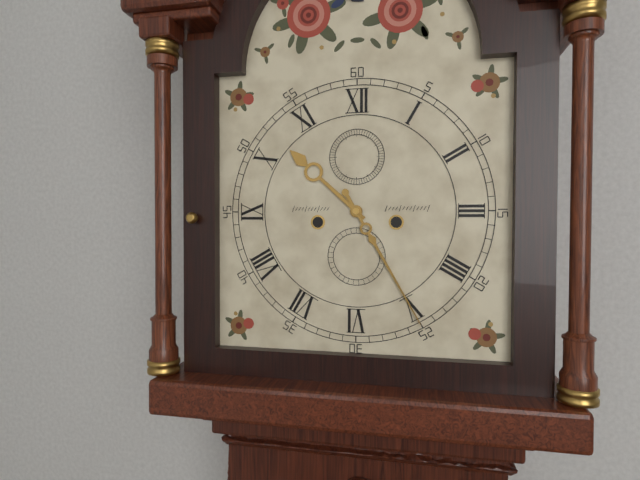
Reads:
h=10 m=25
